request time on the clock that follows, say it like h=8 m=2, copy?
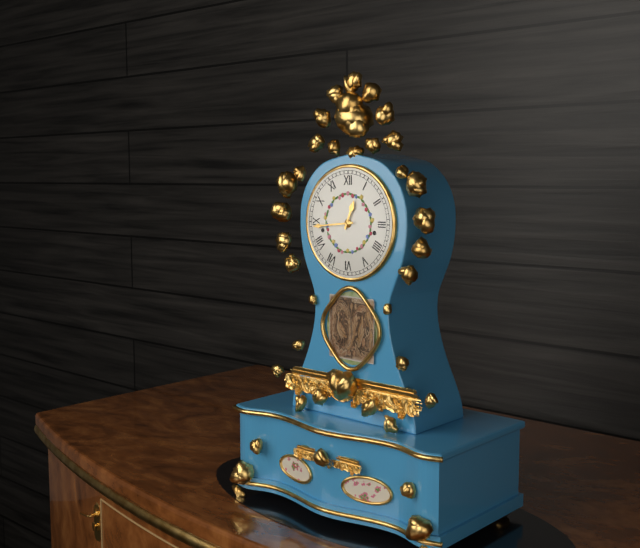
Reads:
h=12 m=44
